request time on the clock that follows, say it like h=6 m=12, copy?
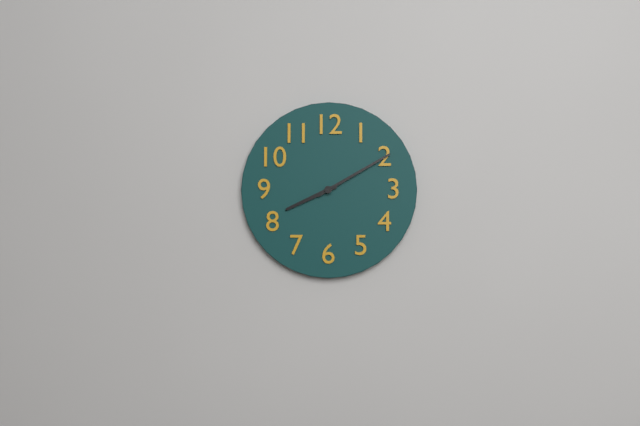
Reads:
h=8 m=10
